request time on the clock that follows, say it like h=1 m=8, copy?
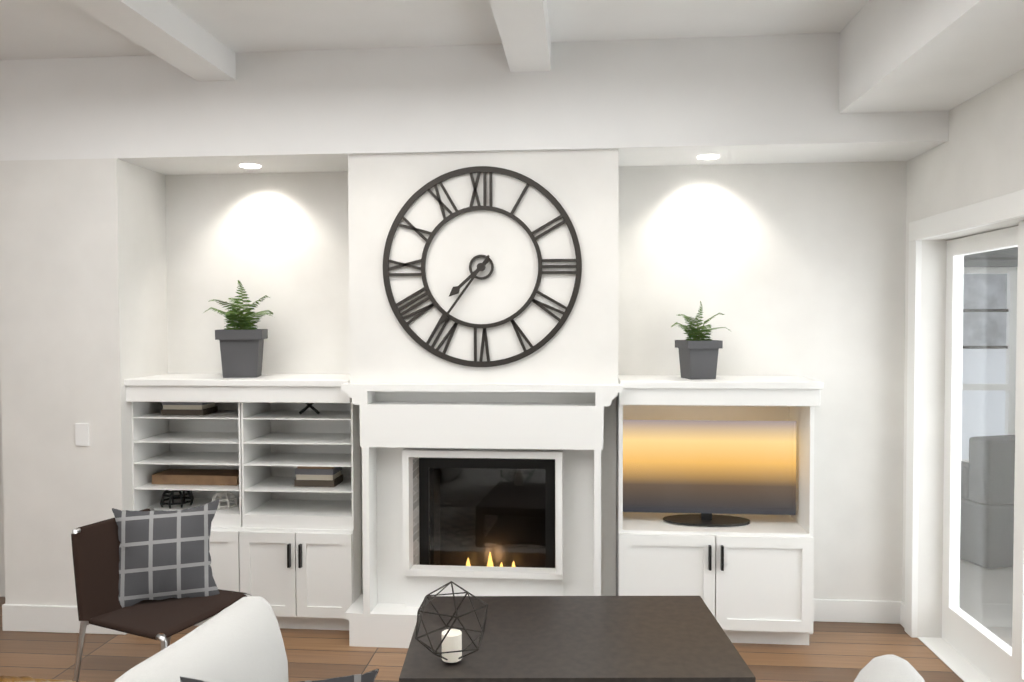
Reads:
h=7 m=36
